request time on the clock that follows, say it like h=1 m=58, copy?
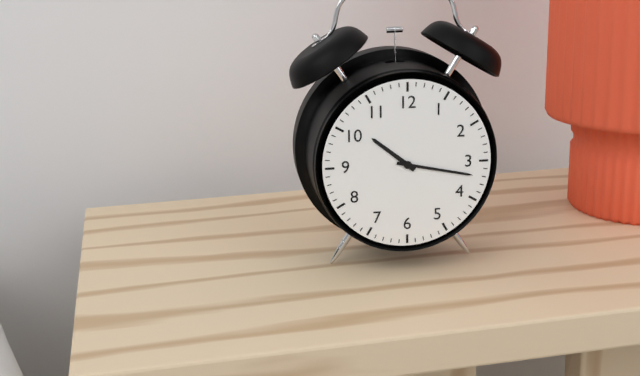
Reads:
h=10 m=17
